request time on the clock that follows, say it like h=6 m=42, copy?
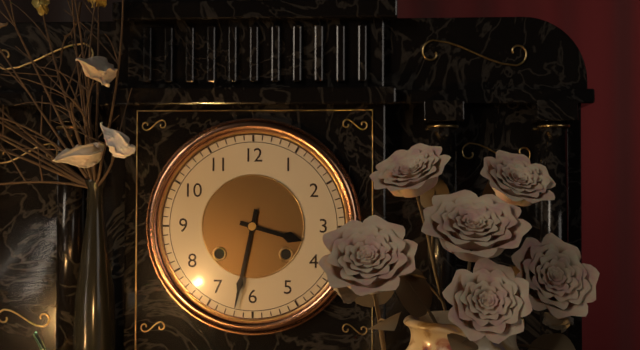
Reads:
h=3 m=32
